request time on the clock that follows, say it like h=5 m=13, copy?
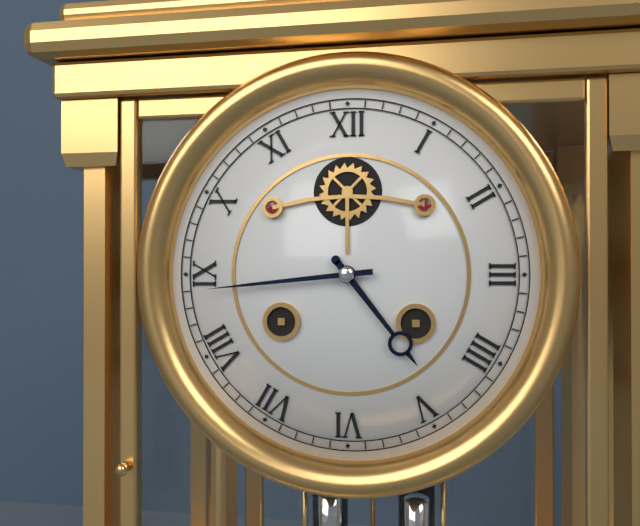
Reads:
h=4 m=44
